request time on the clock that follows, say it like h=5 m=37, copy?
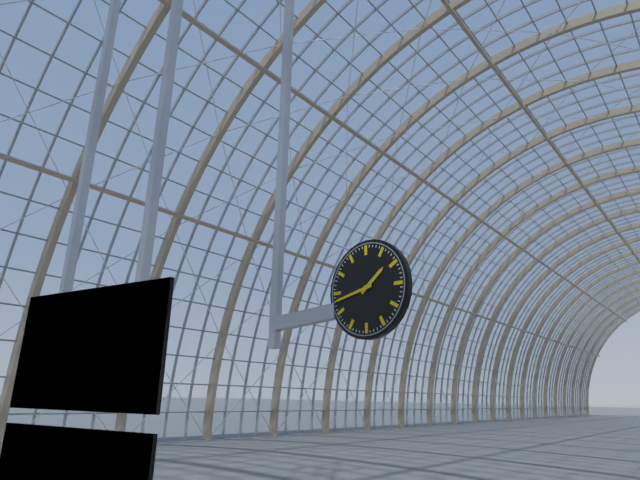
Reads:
h=1 m=43
